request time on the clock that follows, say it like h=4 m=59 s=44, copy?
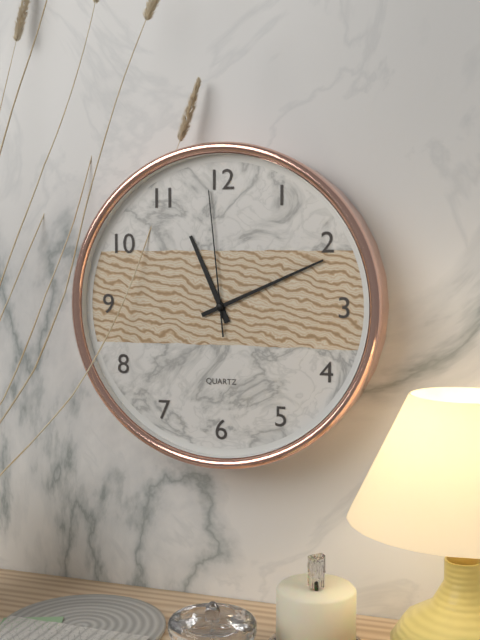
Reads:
h=11 m=11 s=59
